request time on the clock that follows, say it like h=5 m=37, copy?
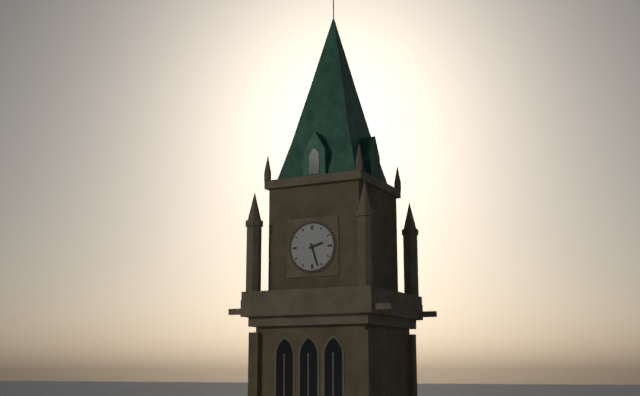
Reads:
h=2 m=27
